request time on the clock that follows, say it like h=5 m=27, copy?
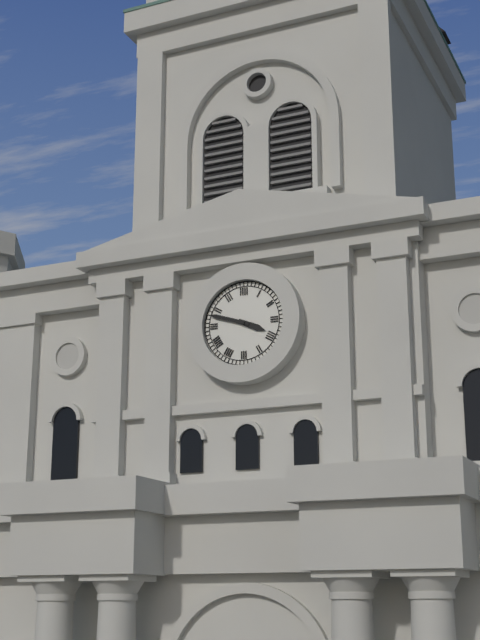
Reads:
h=3 m=48
